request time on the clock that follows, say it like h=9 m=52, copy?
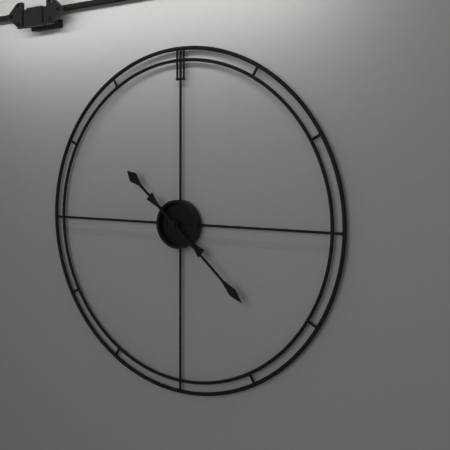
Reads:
h=10 m=22
